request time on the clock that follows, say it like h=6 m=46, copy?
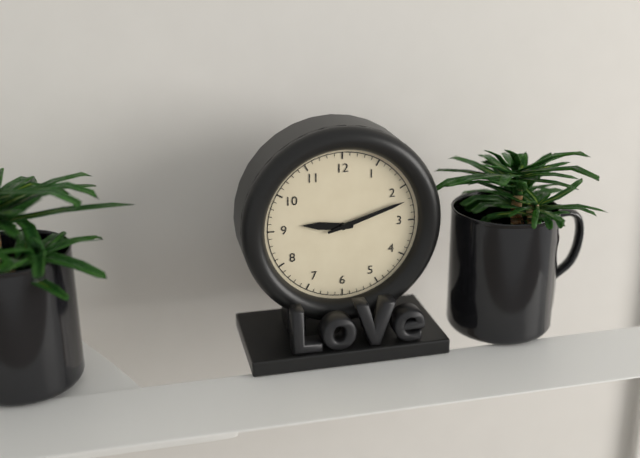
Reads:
h=9 m=12
